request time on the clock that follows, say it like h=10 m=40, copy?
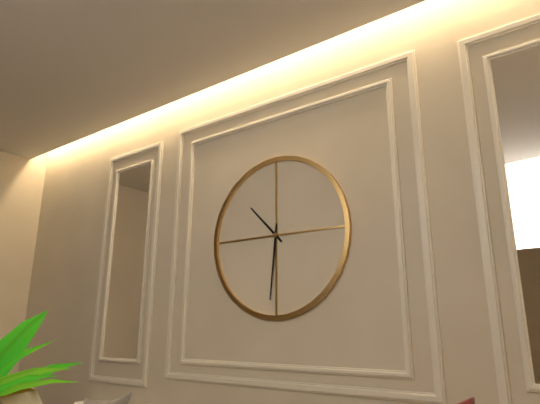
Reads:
h=10 m=31
